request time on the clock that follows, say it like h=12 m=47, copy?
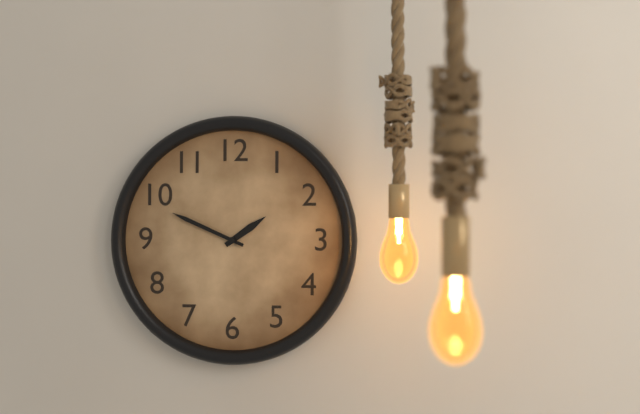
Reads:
h=1 m=49
